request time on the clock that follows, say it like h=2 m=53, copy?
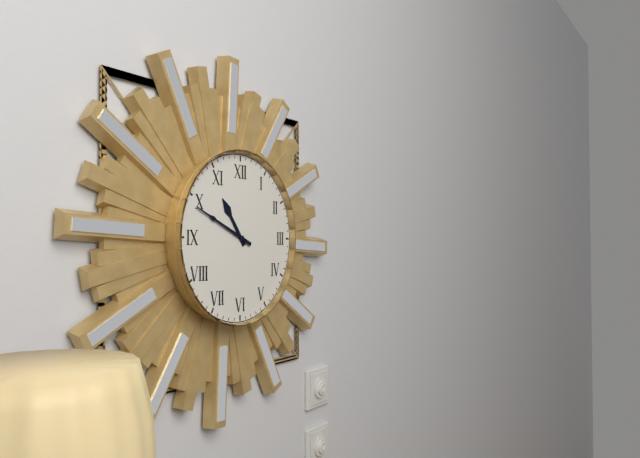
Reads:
h=10 m=49
